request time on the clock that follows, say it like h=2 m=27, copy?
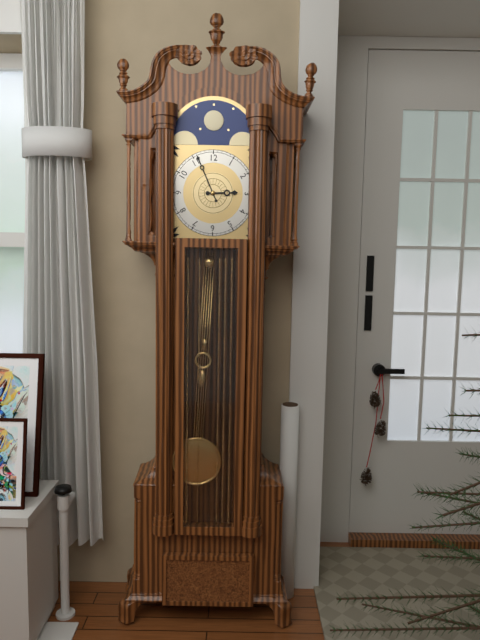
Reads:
h=2 m=56
